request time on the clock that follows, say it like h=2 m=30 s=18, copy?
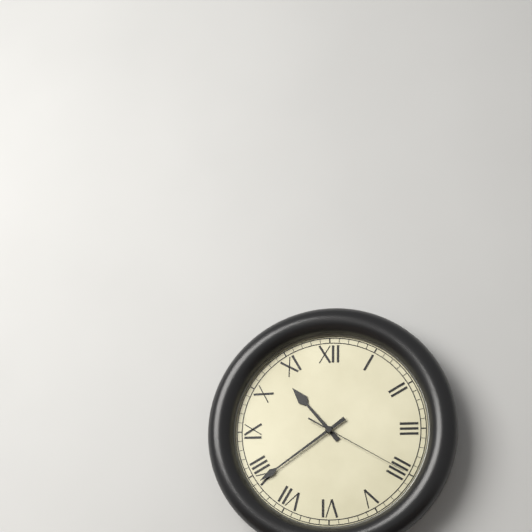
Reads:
h=10 m=39 s=20
